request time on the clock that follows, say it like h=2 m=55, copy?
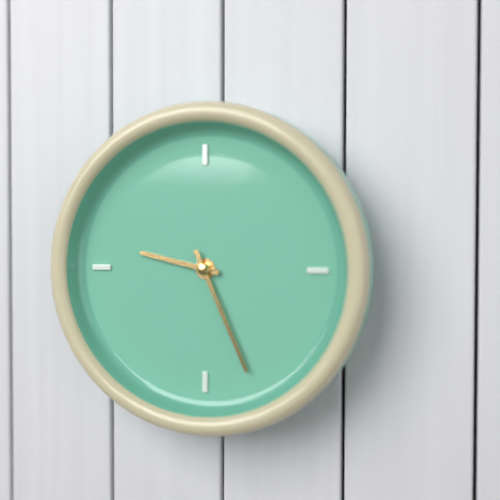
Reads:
h=9 m=26
